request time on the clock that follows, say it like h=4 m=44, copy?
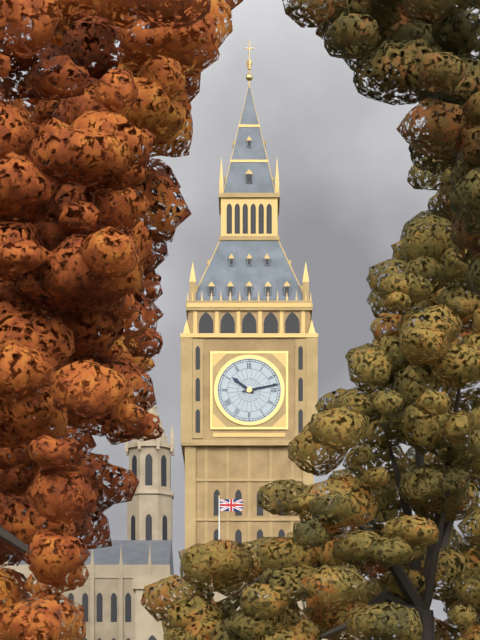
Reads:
h=10 m=13
